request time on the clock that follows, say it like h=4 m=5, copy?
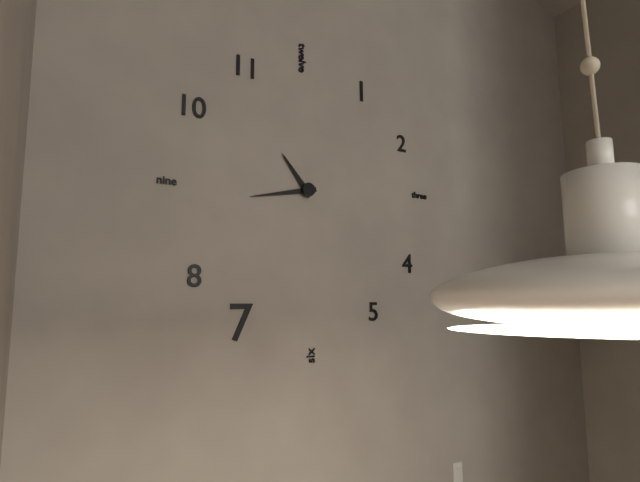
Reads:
h=10 m=43
